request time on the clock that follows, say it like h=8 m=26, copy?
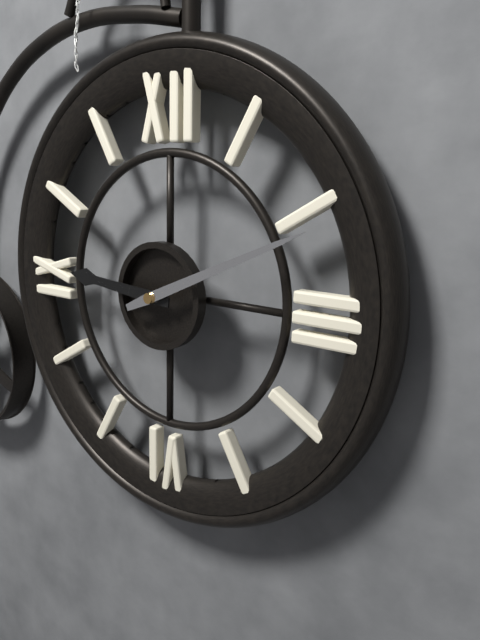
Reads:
h=9 m=11
